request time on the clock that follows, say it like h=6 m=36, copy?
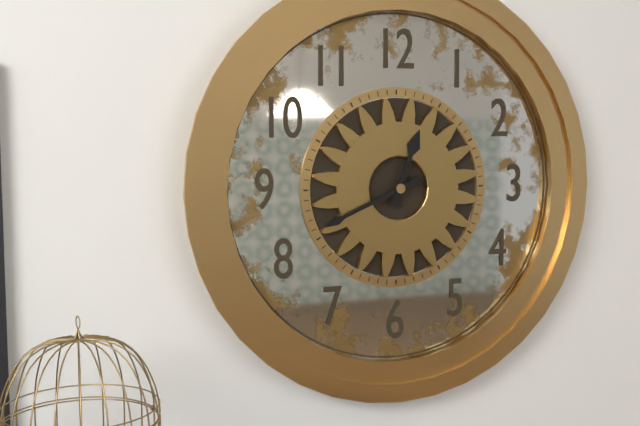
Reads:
h=12 m=41
